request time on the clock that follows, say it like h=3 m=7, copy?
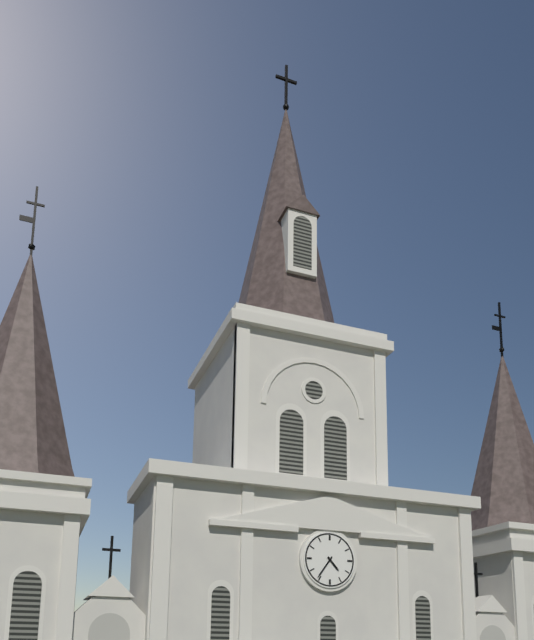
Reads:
h=4 m=36
